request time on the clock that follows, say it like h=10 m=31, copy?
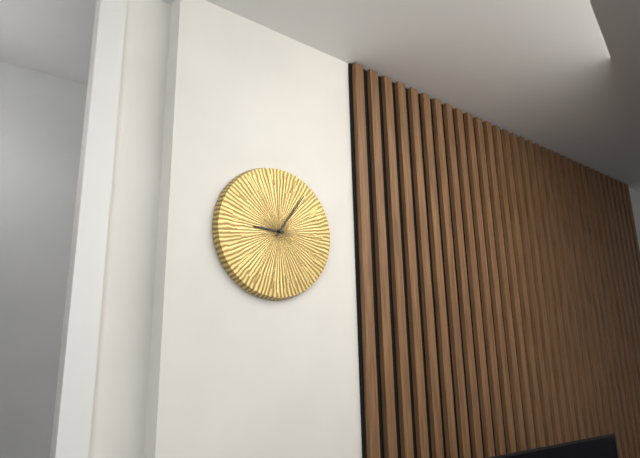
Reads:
h=9 m=6
